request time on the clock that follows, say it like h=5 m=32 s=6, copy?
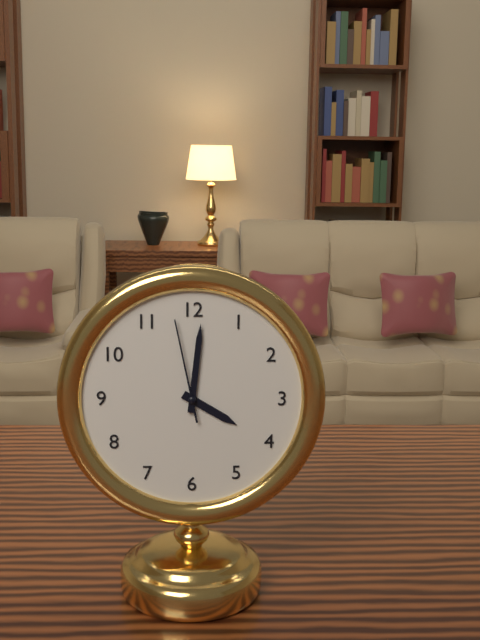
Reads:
h=4 m=1 s=58
